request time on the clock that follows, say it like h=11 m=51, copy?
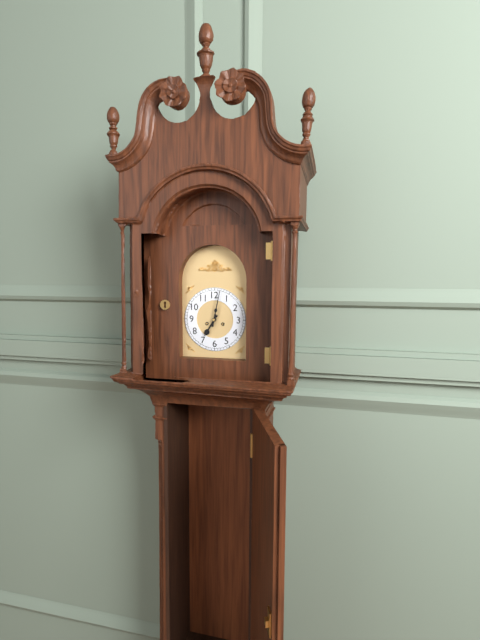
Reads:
h=7 m=2
